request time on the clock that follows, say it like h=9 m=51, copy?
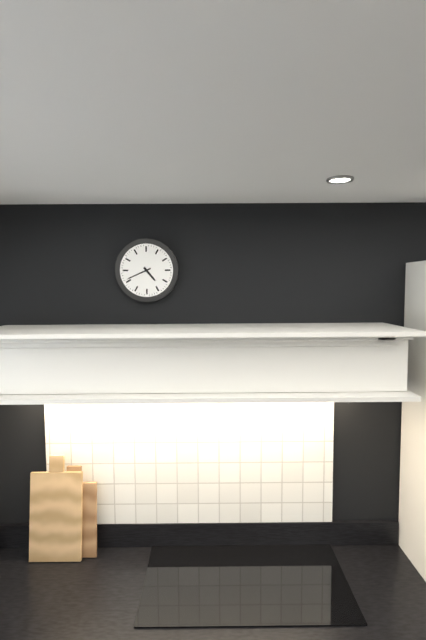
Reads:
h=4 m=41
